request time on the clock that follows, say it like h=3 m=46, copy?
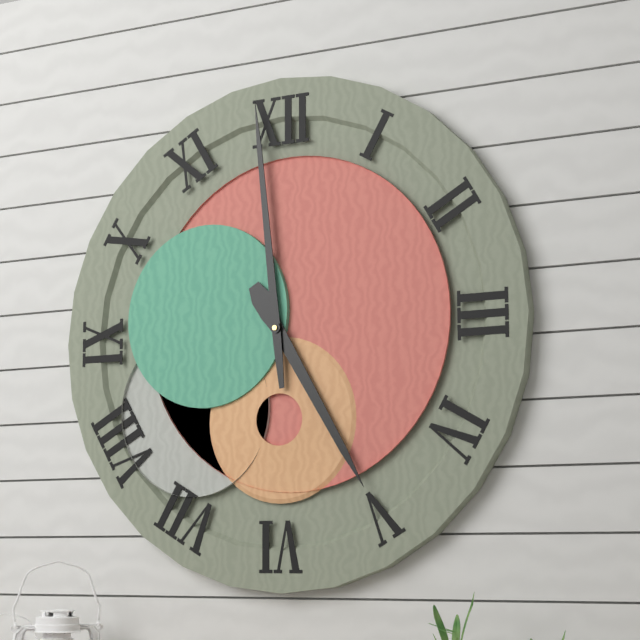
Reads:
h=4 m=59
